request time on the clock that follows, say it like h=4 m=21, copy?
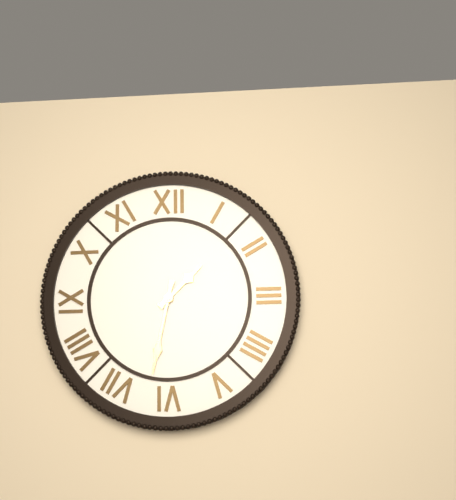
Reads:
h=1 m=32
